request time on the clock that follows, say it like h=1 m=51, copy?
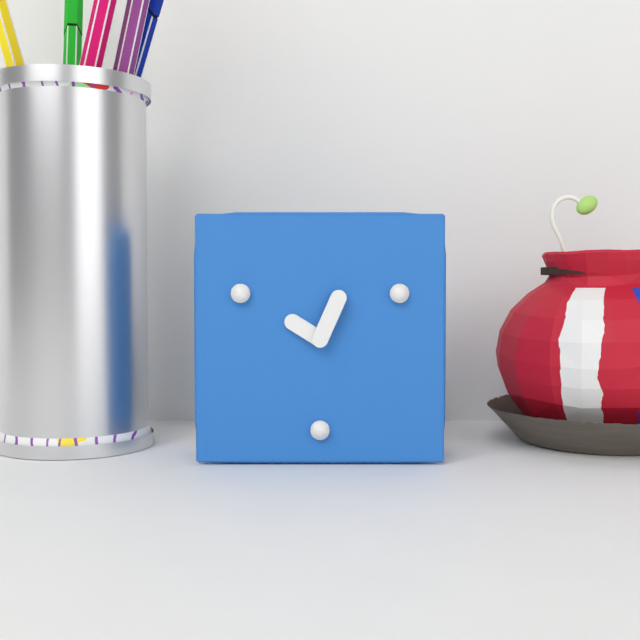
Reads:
h=10 m=4
